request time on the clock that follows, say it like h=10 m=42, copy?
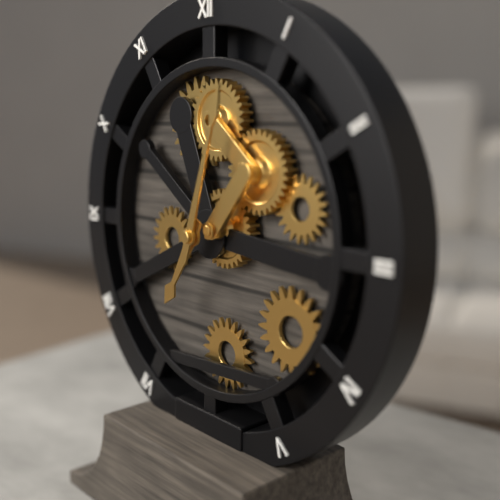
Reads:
h=7 m=3
